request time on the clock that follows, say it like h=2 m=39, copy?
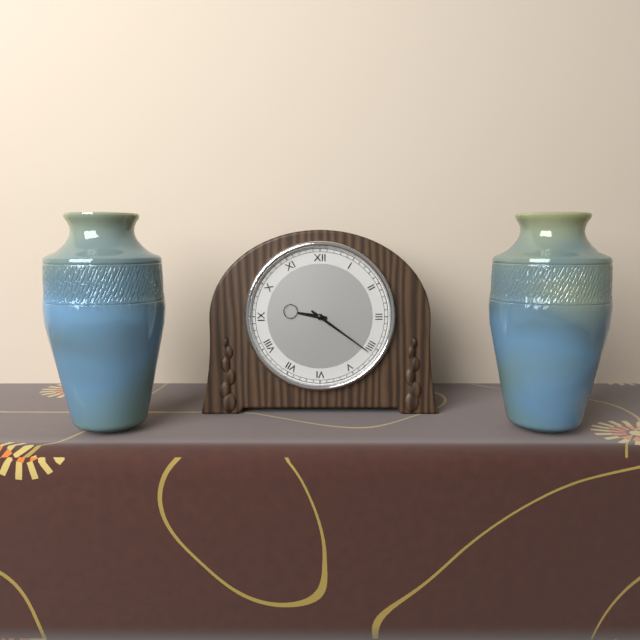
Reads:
h=9 m=21
